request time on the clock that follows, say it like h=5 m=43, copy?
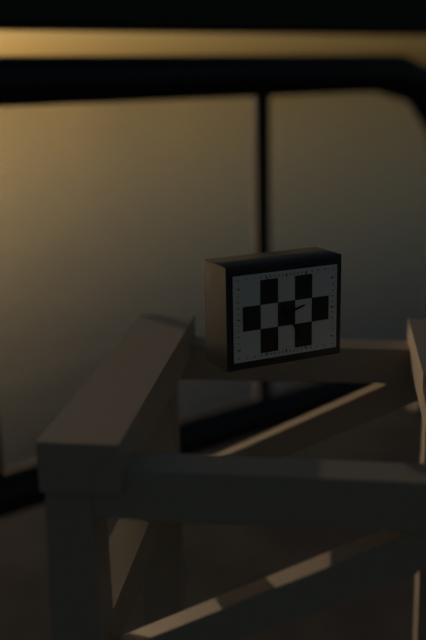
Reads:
h=2 m=25
